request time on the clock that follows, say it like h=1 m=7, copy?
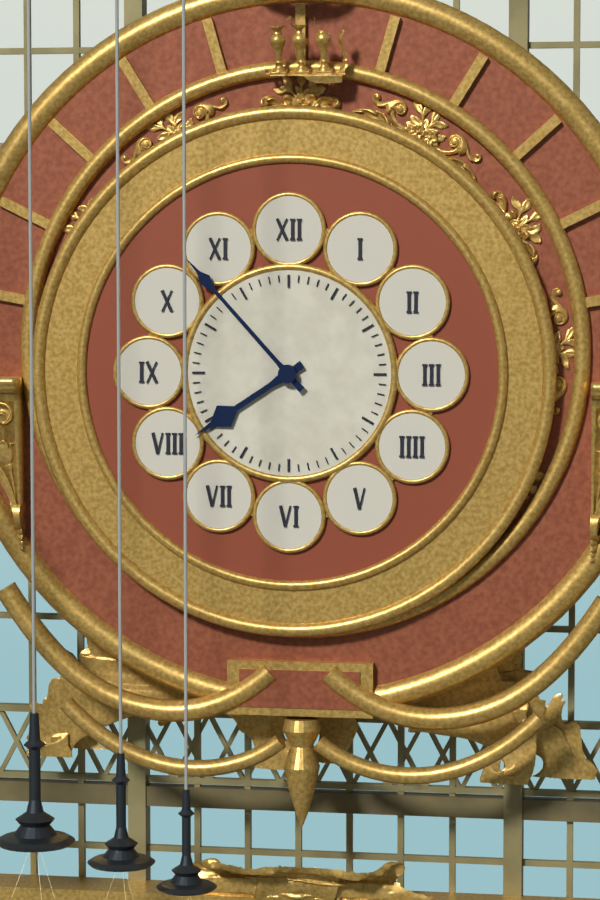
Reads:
h=7 m=53
